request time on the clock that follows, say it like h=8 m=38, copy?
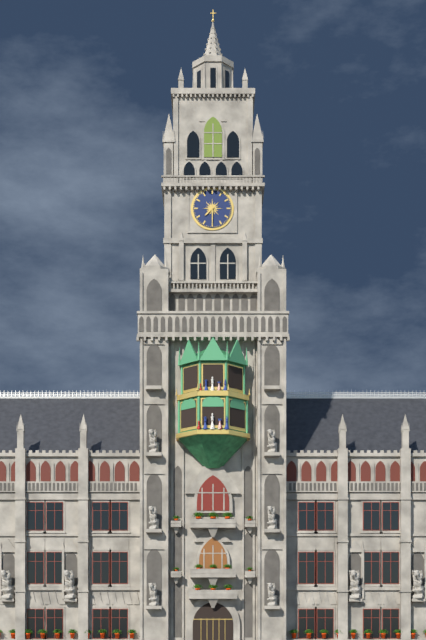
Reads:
h=7 m=30
